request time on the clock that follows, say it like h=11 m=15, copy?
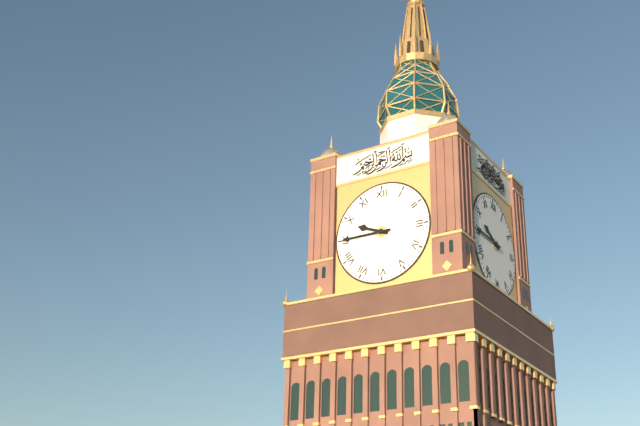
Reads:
h=9 m=45
